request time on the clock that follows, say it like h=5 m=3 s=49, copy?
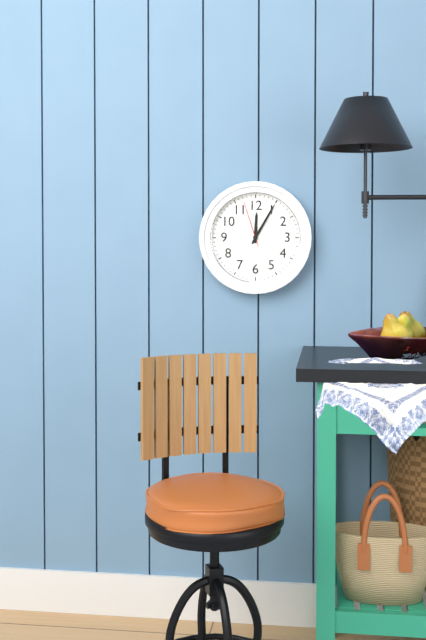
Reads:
h=12 m=5 s=57
